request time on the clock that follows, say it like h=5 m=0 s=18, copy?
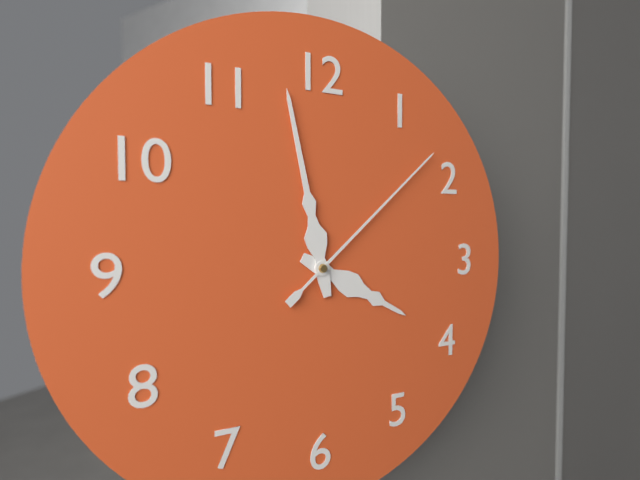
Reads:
h=3 m=58 s=8
